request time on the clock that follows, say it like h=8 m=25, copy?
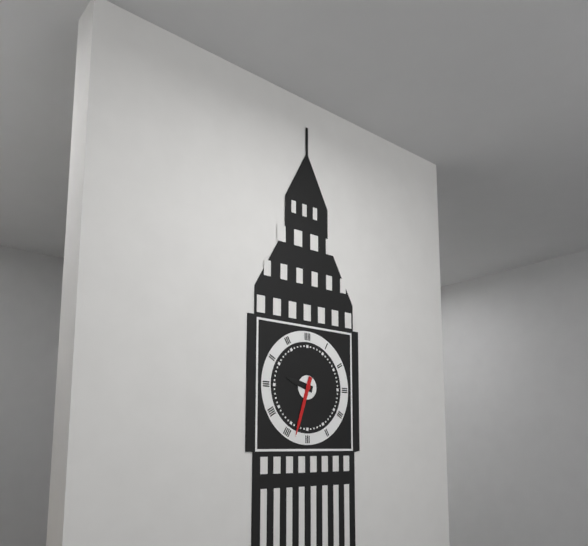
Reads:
h=9 m=33
